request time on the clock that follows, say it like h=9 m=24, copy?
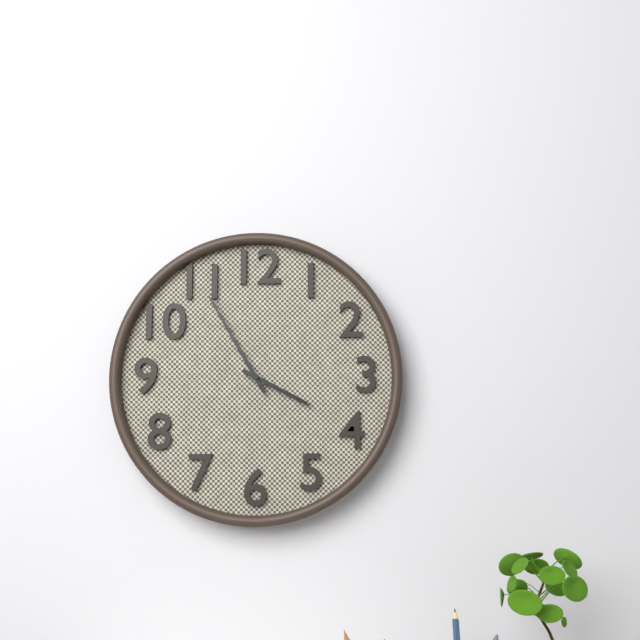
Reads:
h=3 m=55
